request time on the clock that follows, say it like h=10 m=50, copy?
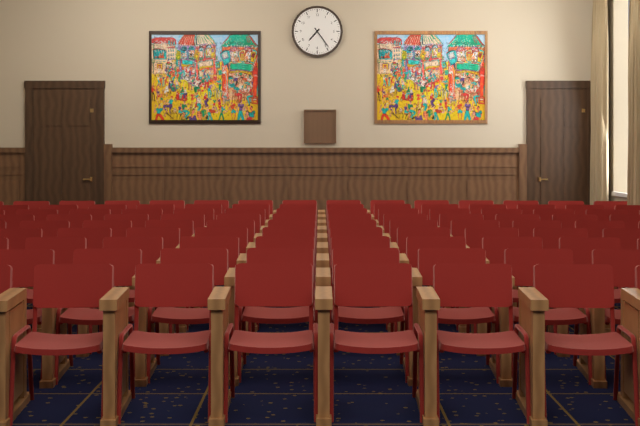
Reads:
h=7 m=24
